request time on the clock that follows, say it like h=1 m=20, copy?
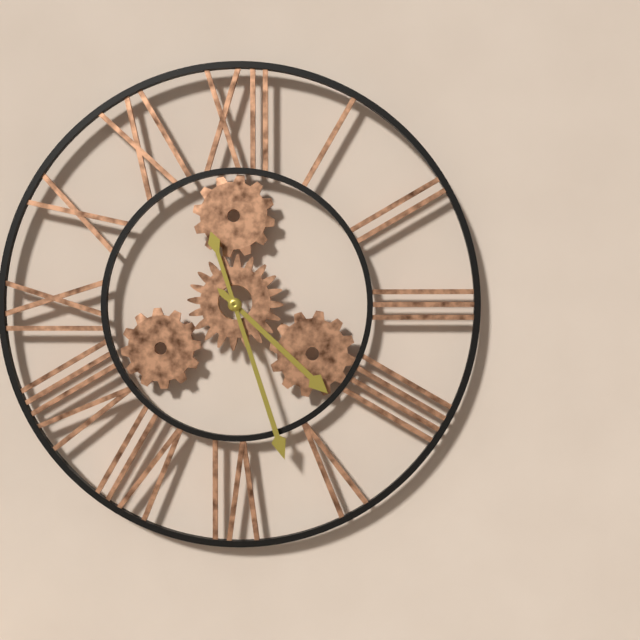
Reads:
h=4 m=27
